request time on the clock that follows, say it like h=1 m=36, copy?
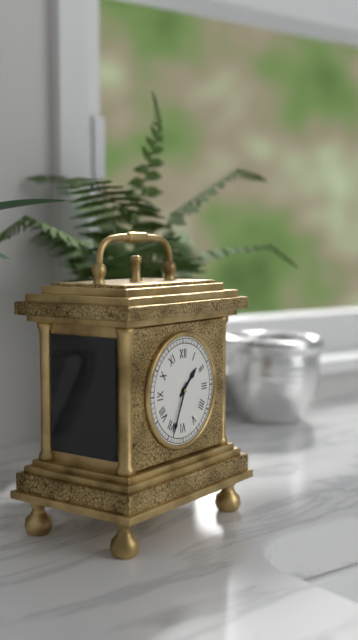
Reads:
h=1 m=34
